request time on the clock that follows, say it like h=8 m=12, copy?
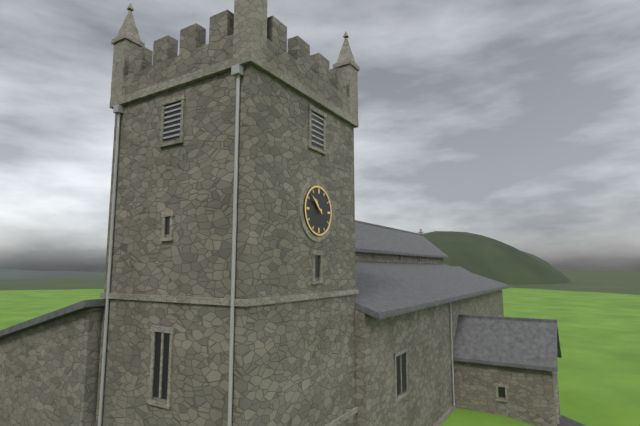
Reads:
h=10 m=52
